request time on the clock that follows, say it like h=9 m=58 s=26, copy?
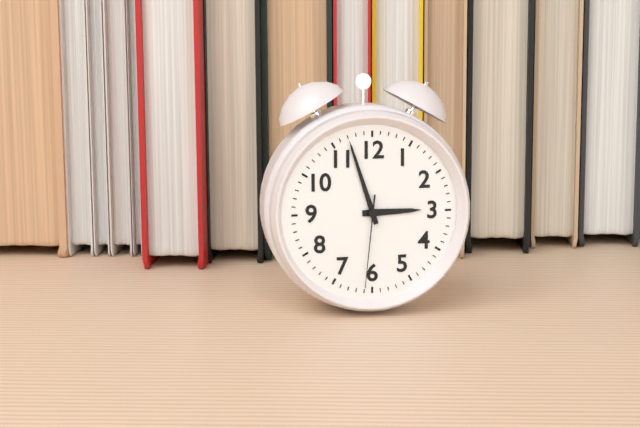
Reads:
h=2 m=57 s=31
